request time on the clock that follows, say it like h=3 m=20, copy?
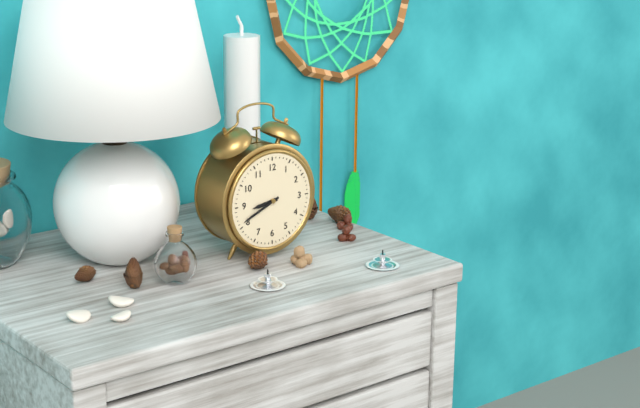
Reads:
h=8 m=41
